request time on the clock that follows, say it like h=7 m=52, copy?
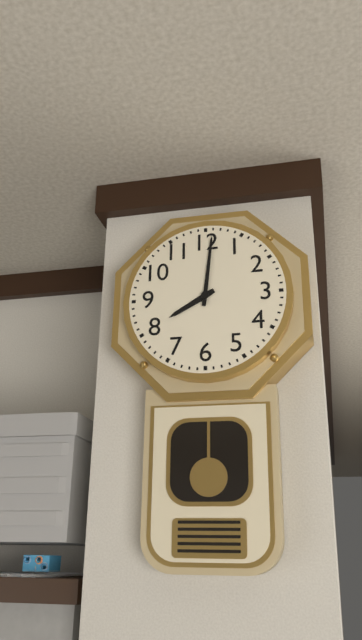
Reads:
h=8 m=1
